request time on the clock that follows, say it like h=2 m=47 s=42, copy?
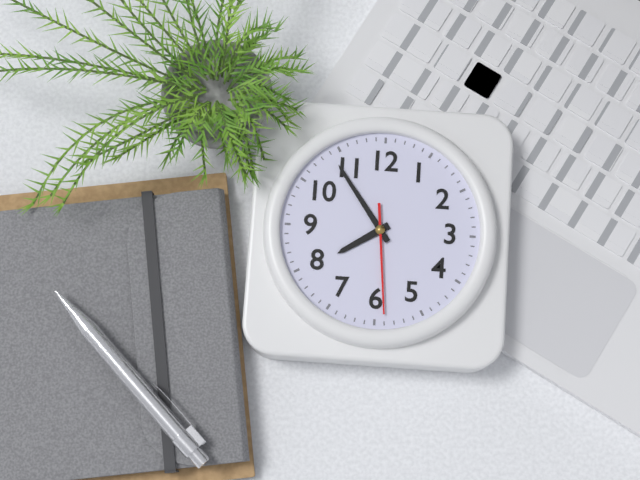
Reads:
h=7 m=54 s=29
